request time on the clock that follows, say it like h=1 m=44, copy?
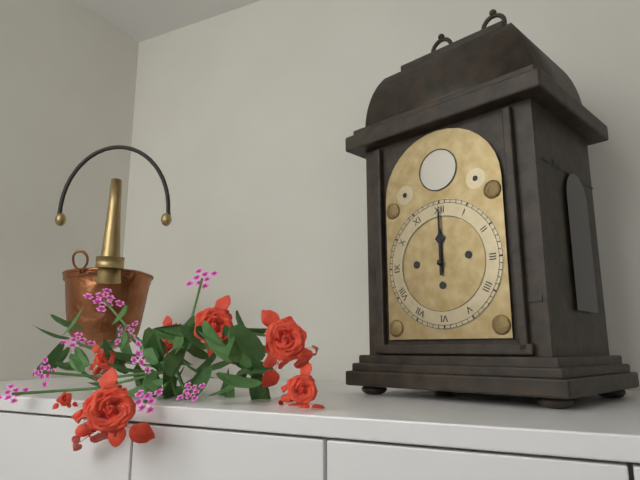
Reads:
h=12 m=0
